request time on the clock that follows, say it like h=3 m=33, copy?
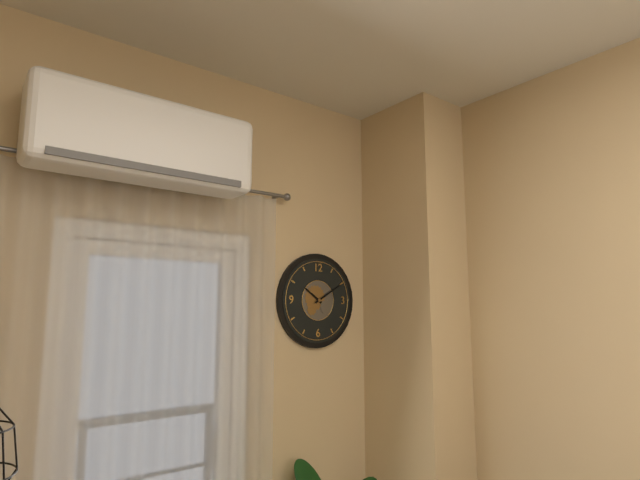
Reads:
h=10 m=10
